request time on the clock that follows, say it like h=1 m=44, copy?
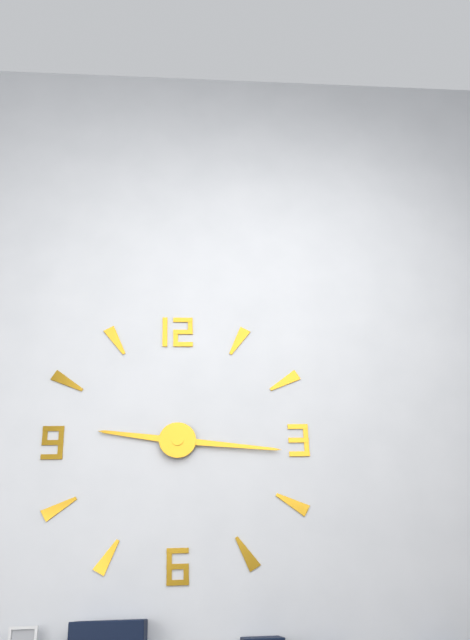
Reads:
h=9 m=16
